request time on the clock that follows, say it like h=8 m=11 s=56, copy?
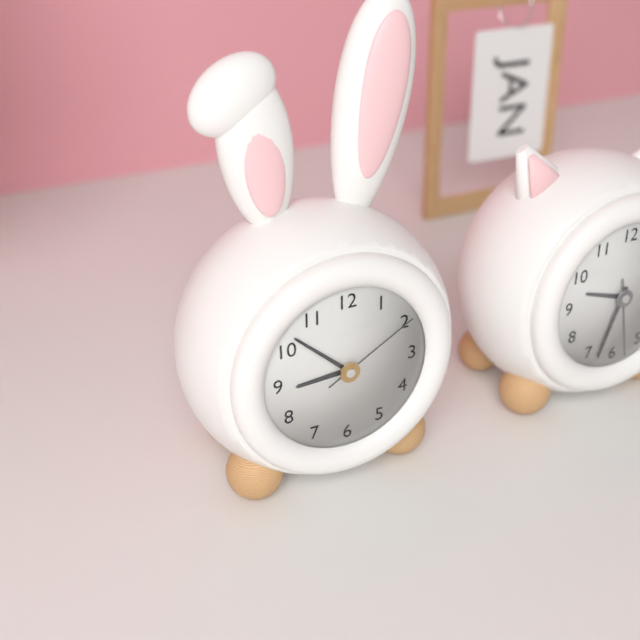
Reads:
h=8 m=52 s=10
